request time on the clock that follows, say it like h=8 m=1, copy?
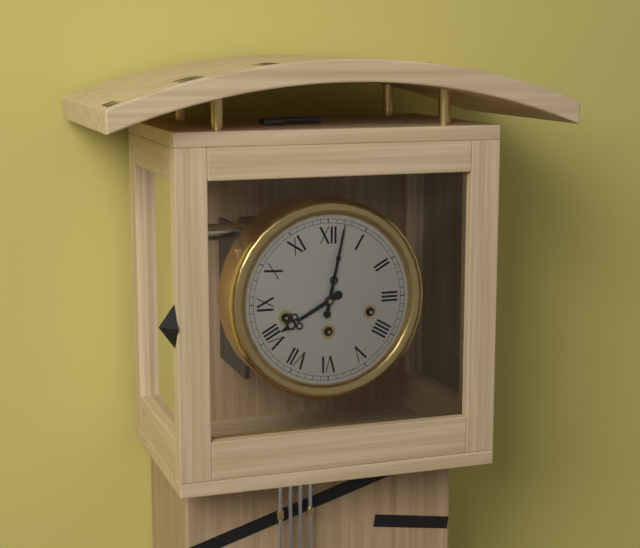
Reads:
h=8 m=2
